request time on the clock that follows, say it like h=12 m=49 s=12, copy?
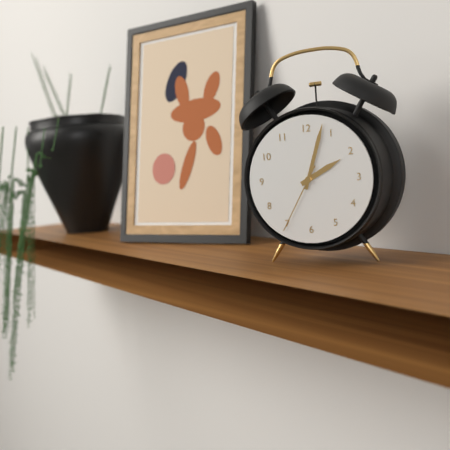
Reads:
h=2 m=3 s=35
